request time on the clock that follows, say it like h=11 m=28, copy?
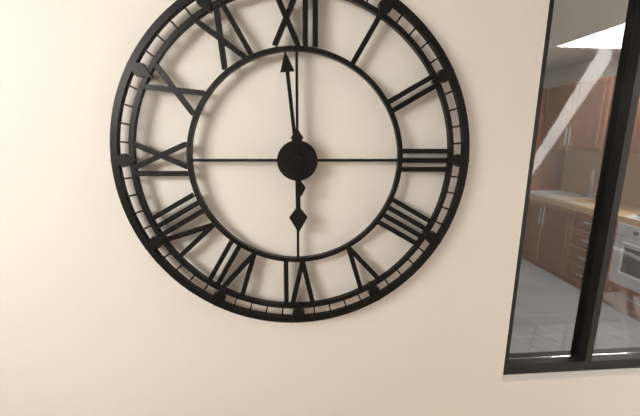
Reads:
h=5 m=59
